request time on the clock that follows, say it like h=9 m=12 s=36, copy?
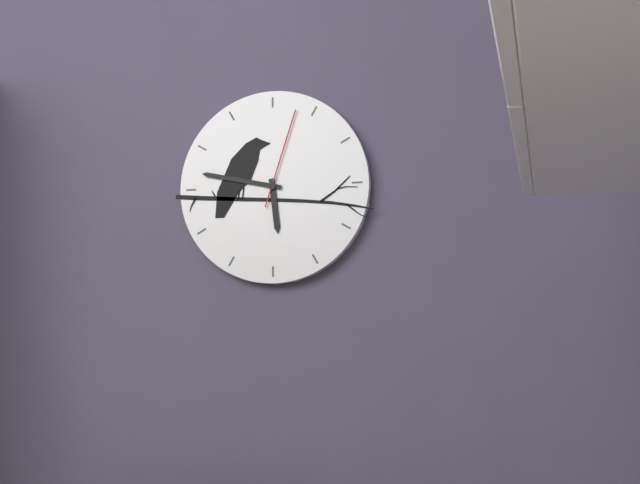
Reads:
h=5 m=47 s=3
